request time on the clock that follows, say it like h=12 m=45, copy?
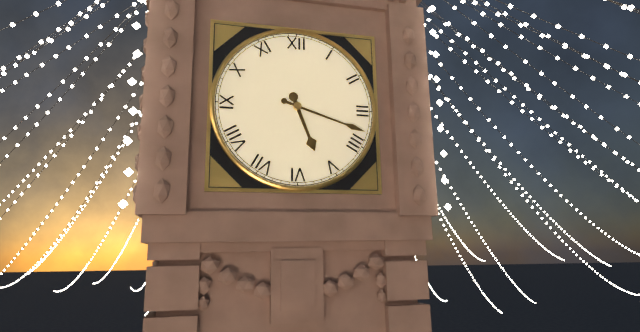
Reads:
h=5 m=18
